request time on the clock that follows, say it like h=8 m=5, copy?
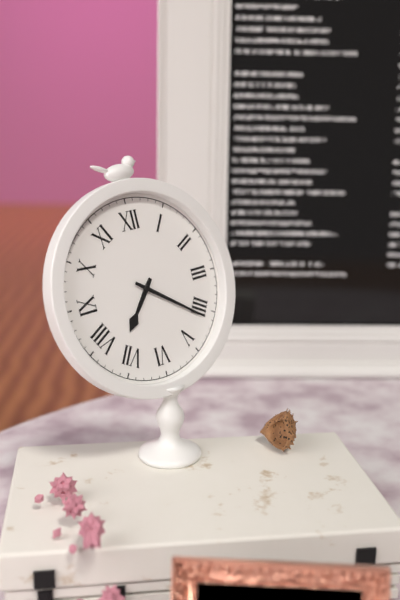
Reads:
h=7 m=21
